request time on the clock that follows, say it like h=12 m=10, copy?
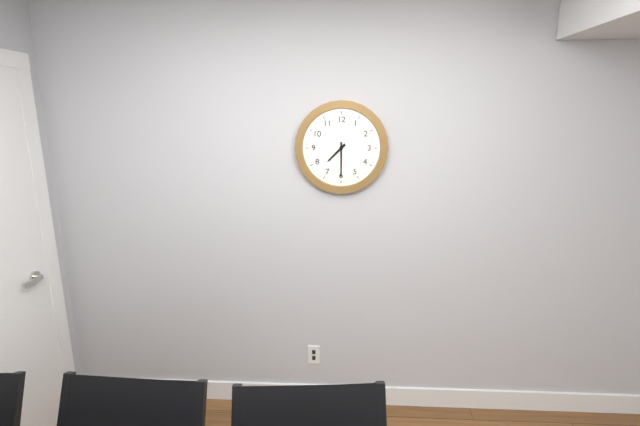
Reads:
h=7 m=30
